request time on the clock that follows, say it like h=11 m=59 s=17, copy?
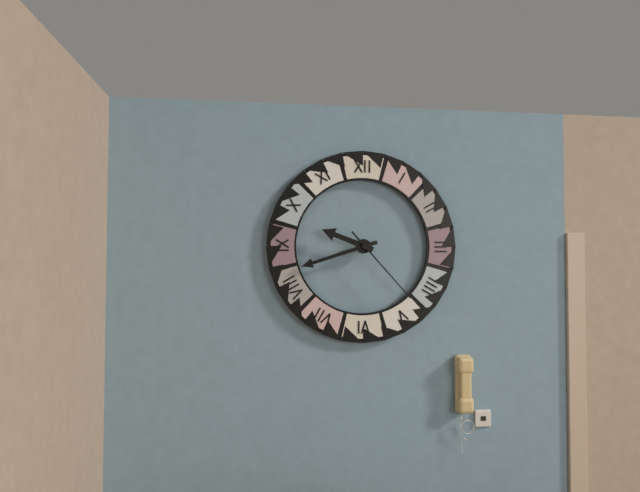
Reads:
h=9 m=42 s=23
